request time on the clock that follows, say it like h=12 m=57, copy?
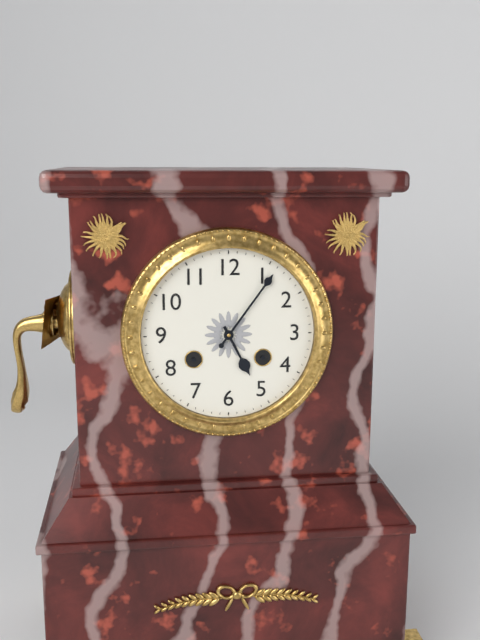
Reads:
h=5 m=6
